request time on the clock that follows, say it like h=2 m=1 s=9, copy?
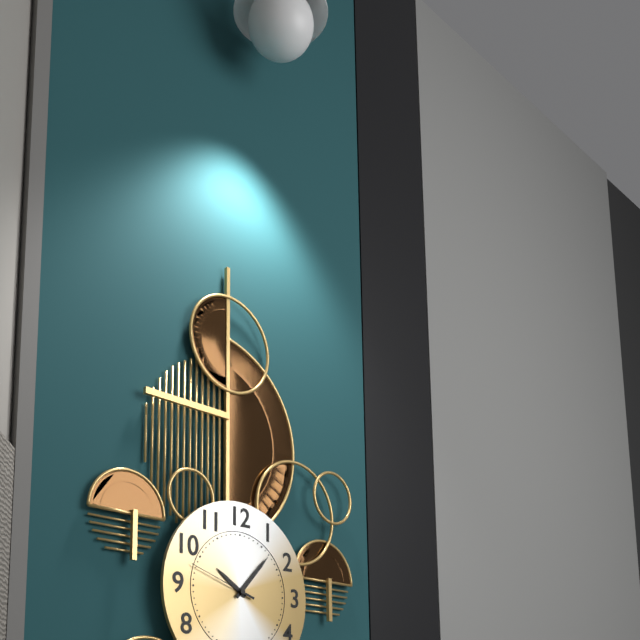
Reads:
h=10 m=7 s=48
